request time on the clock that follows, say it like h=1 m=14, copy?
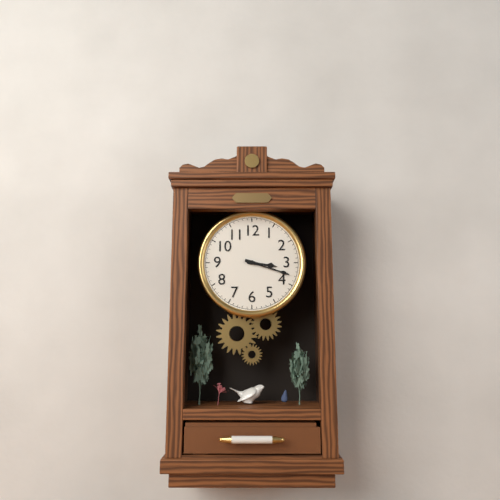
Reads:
h=3 m=18
